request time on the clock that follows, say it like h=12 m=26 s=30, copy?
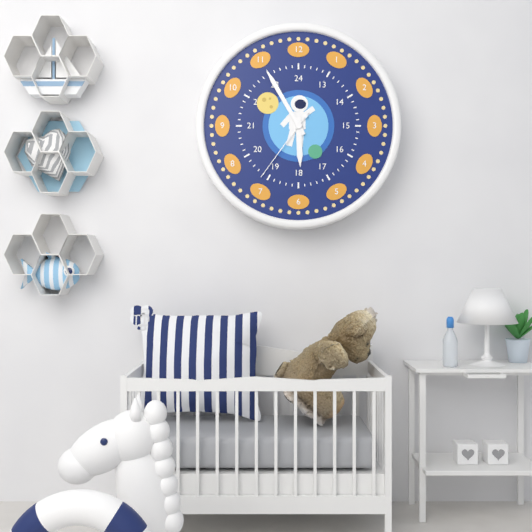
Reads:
h=5 m=55 s=36
